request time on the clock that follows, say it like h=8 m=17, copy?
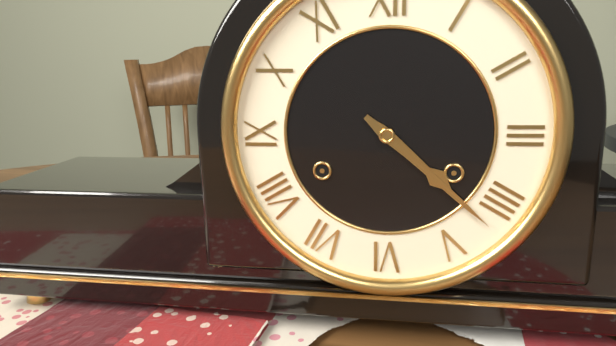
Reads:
h=4 m=22
